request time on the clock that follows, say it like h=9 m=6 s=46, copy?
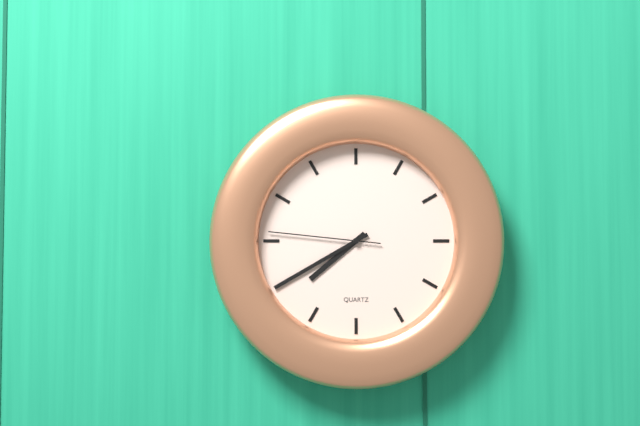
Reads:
h=7 m=40 s=46
